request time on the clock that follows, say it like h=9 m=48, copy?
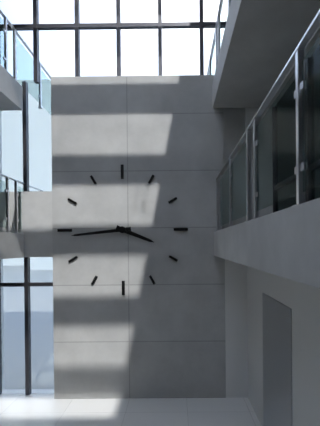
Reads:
h=3 m=44
